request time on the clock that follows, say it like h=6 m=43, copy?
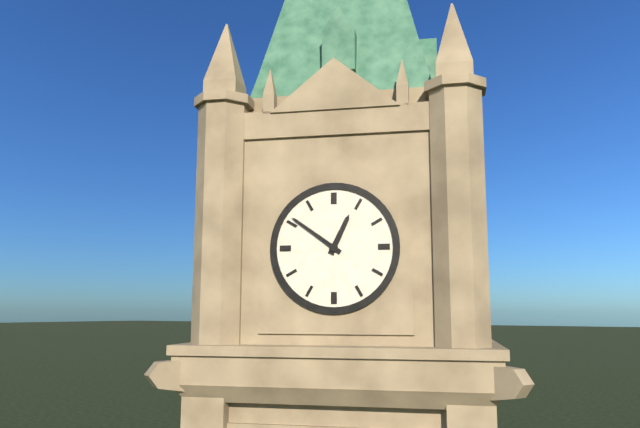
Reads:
h=12 m=51
